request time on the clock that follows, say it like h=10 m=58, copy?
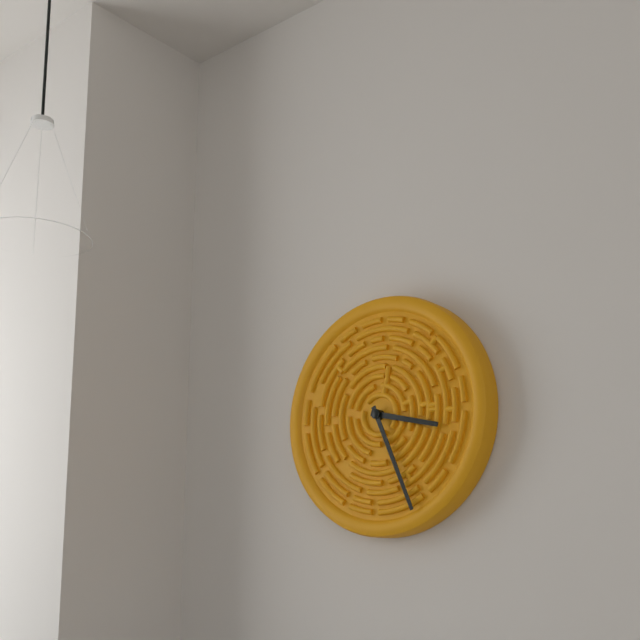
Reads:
h=3 m=26
